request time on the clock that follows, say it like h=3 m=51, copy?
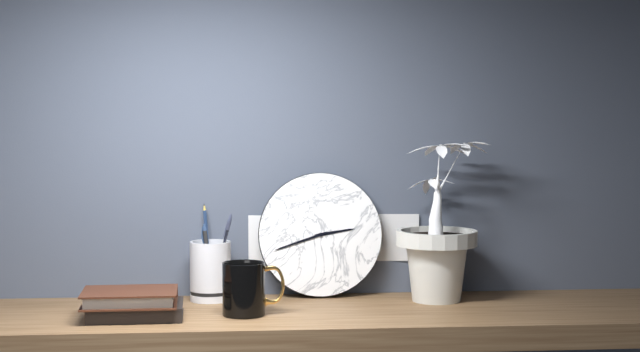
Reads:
h=2 m=42
